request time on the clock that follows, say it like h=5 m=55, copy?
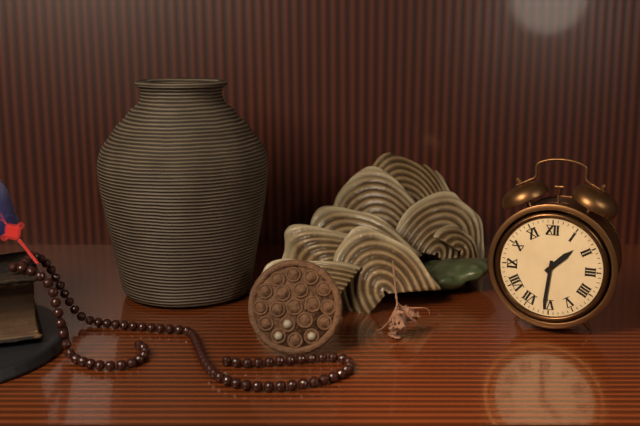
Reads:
h=1 m=31
